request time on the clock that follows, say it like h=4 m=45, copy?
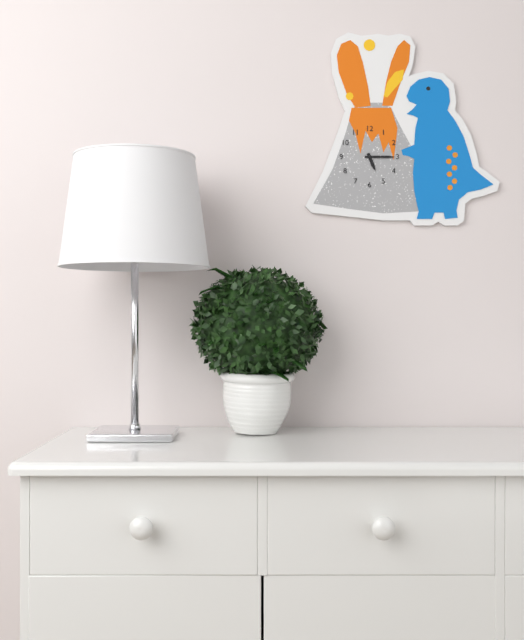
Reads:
h=5 m=15
